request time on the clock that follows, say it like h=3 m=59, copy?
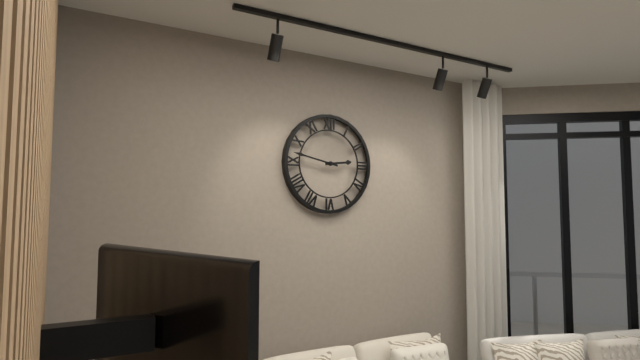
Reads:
h=2 m=47
